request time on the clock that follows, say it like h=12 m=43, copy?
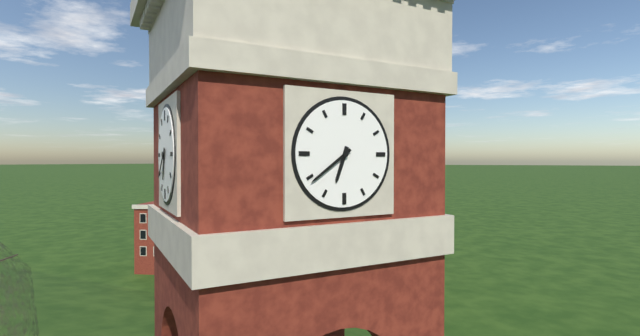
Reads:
h=6 m=39
